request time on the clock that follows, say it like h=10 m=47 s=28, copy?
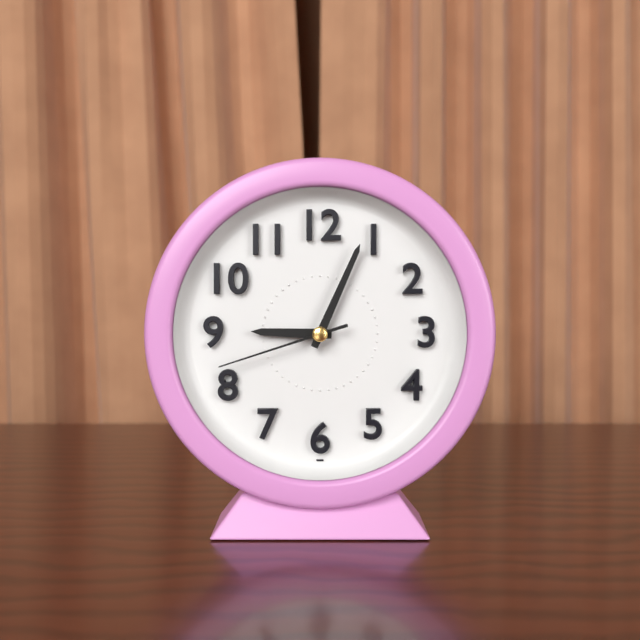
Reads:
h=9 m=4 s=42
